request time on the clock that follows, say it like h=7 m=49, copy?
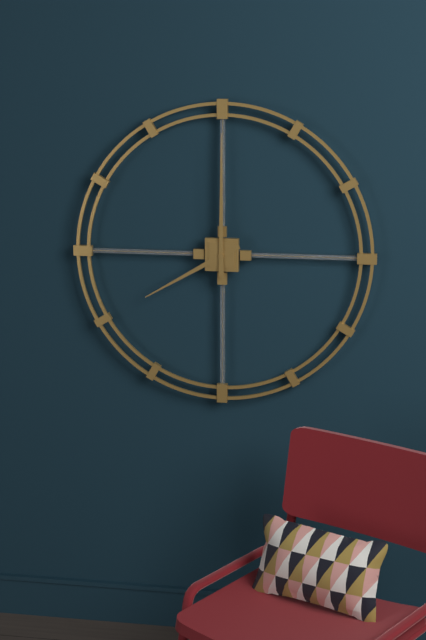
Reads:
h=8 m=0
